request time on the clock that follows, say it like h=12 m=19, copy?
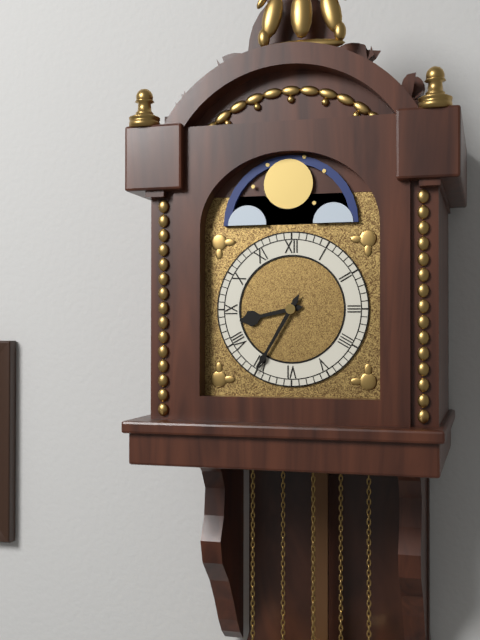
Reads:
h=8 m=35
